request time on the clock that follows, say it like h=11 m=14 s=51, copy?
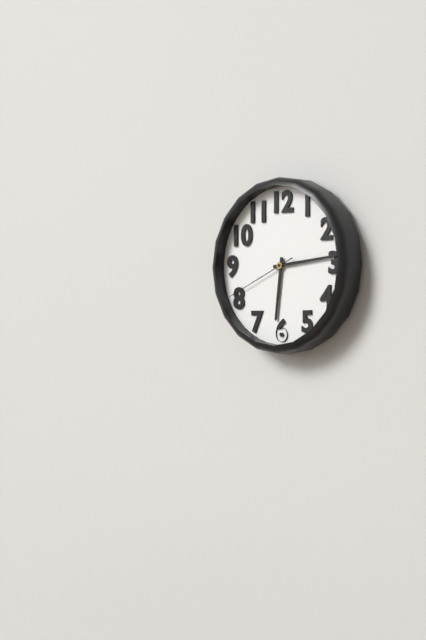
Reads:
h=6 m=14 s=41
